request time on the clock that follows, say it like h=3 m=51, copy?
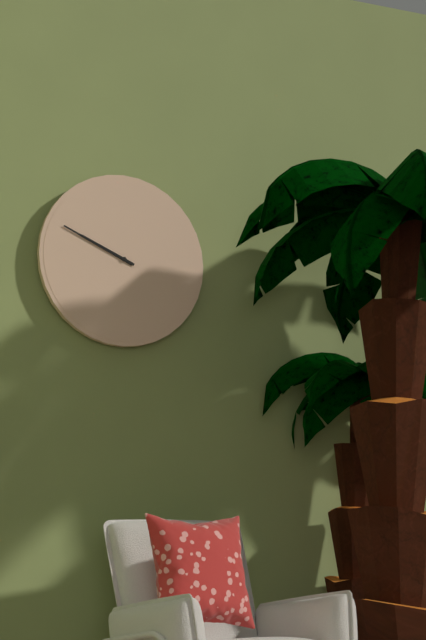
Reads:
h=9 m=49
